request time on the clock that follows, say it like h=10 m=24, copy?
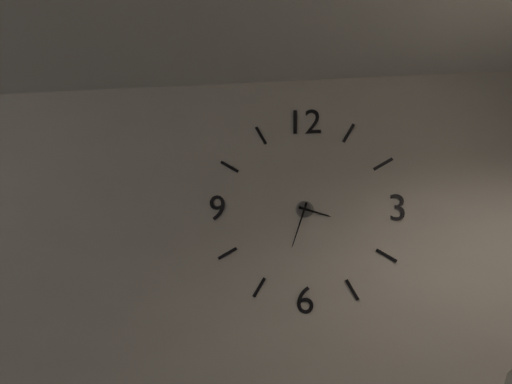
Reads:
h=3 m=33
